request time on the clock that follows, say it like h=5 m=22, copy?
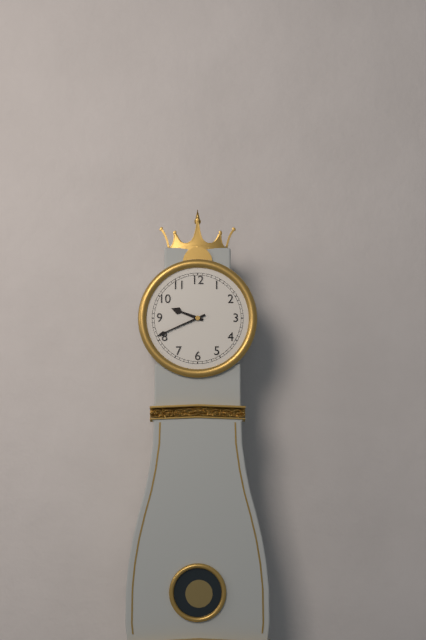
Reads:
h=9 m=41
